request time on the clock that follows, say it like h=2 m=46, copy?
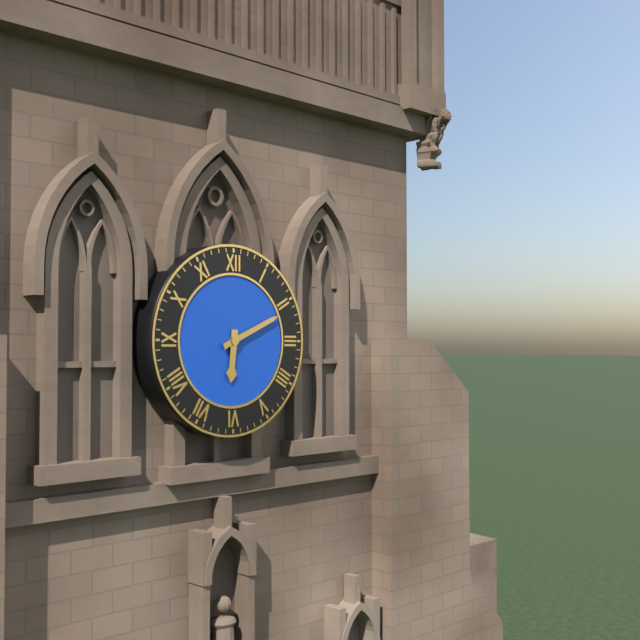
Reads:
h=6 m=11
